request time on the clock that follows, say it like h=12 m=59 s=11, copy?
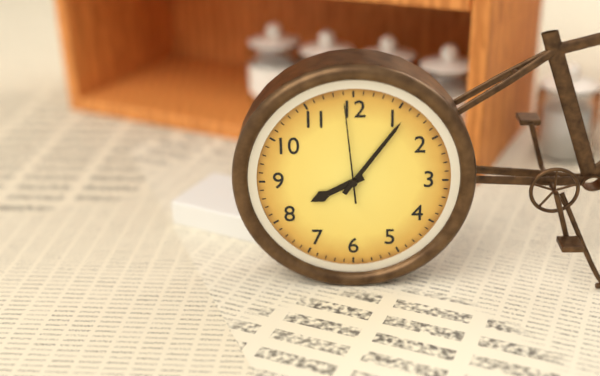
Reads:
h=8 m=6 s=59
